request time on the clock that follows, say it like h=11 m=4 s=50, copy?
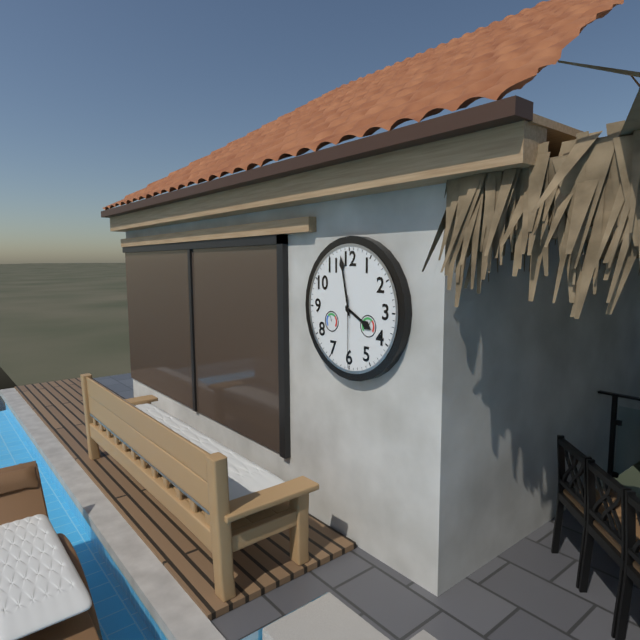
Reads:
h=3 m=58 s=30
